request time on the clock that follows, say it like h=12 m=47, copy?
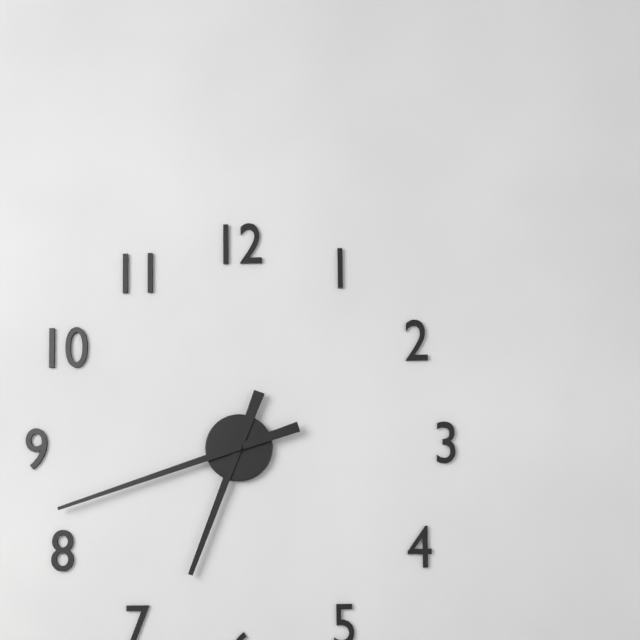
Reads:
h=6 m=42
